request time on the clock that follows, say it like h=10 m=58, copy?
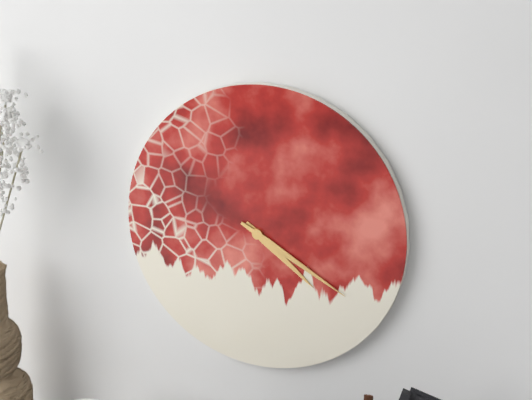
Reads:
h=4 m=20
